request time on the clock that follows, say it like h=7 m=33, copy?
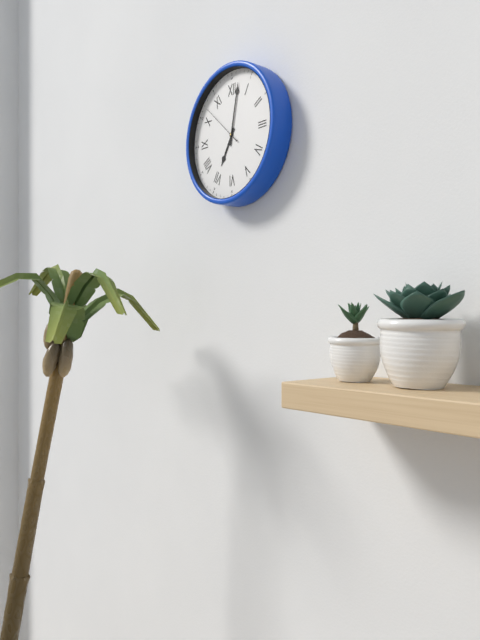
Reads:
h=7 m=2
